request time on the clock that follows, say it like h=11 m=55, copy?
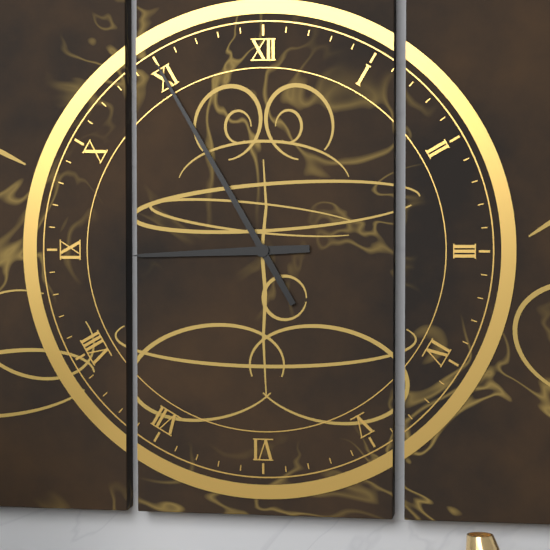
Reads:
h=8 m=55
